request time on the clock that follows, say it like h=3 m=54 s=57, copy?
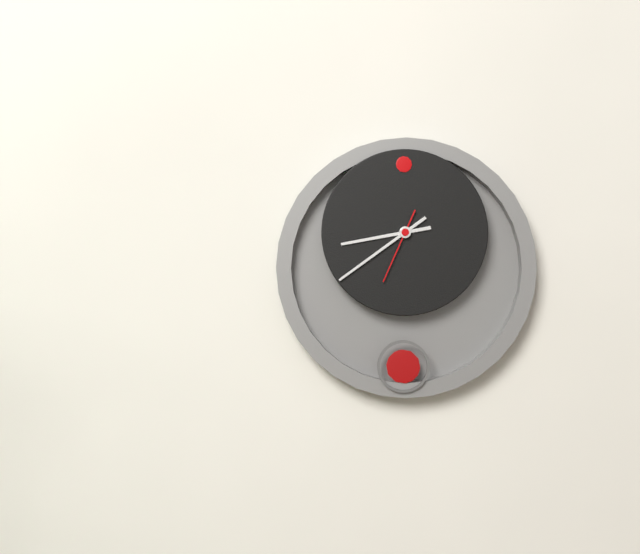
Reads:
h=8 m=39 s=34
